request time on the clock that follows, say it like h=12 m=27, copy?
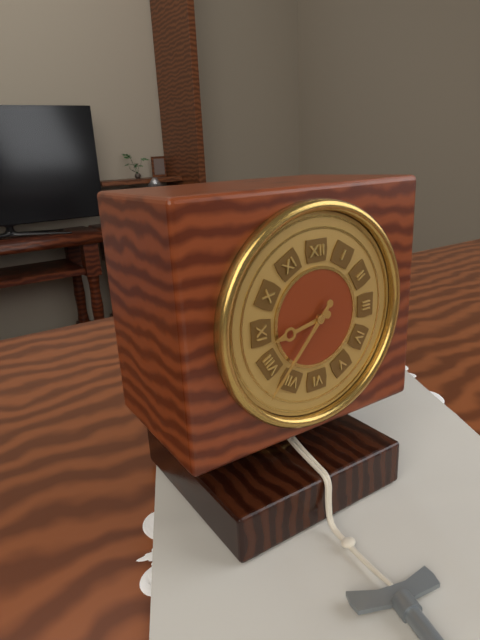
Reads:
h=8 m=37
